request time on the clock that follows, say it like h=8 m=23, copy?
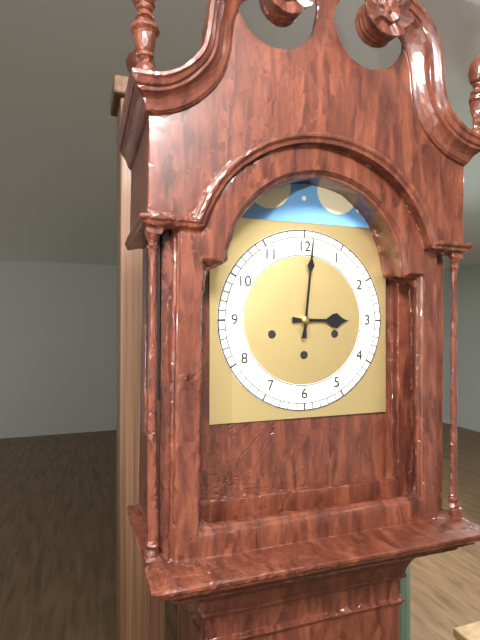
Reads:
h=3 m=1
